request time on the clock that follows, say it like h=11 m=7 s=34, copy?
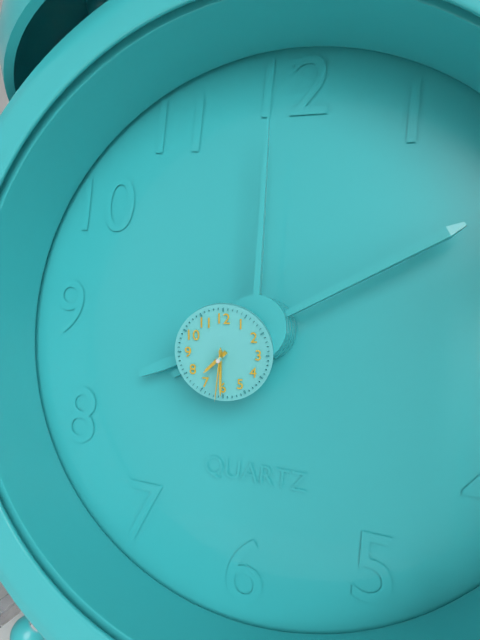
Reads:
h=7 m=30 s=31
